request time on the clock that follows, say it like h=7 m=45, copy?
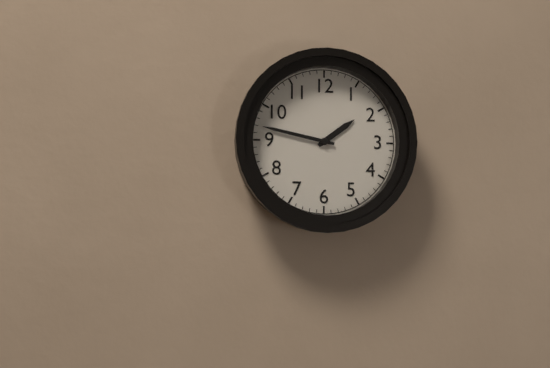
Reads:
h=1 m=47
